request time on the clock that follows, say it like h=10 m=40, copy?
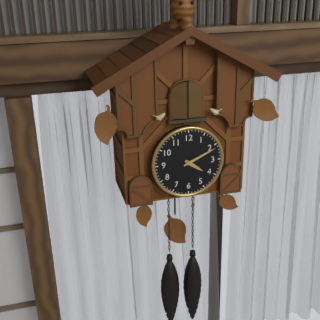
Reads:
h=4 m=11
